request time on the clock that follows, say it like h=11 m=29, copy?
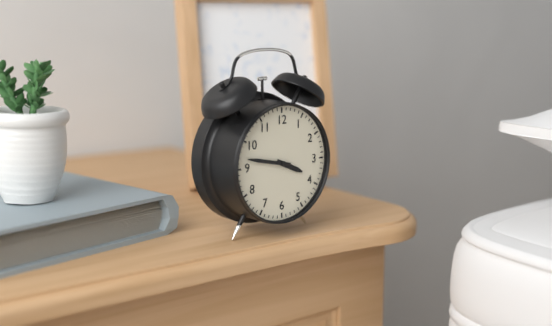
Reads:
h=3 m=47
